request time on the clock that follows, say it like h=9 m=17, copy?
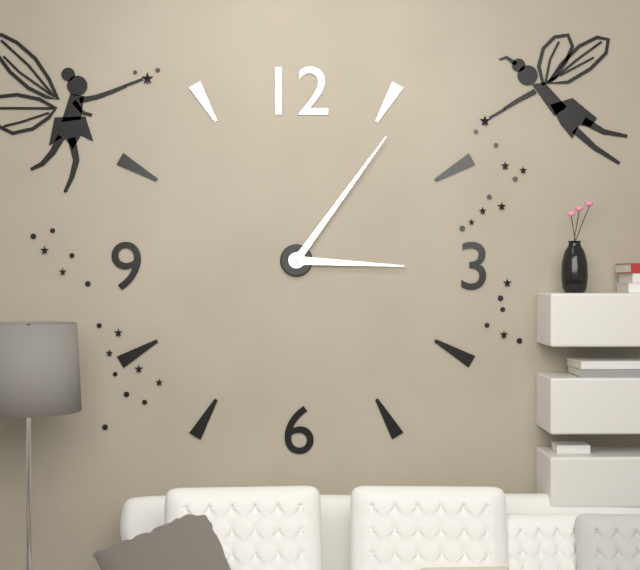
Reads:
h=3 m=6
